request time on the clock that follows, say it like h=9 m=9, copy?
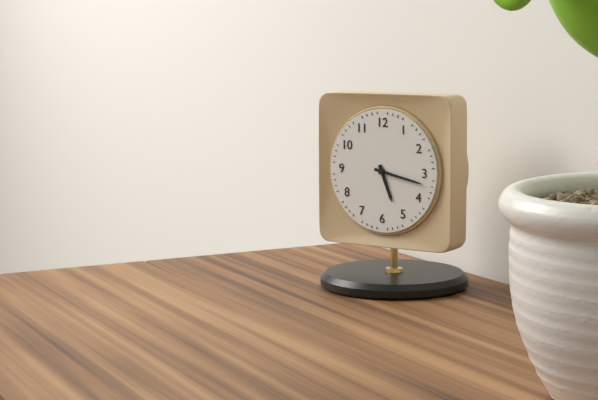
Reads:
h=5 m=17
